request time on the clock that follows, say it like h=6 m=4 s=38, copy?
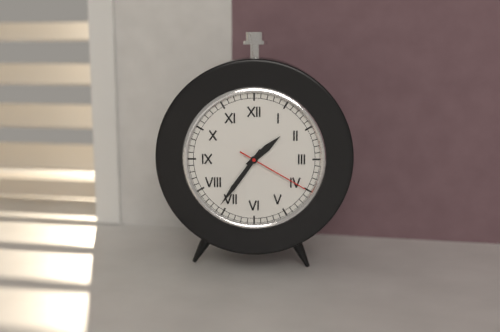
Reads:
h=1 m=36 s=20
